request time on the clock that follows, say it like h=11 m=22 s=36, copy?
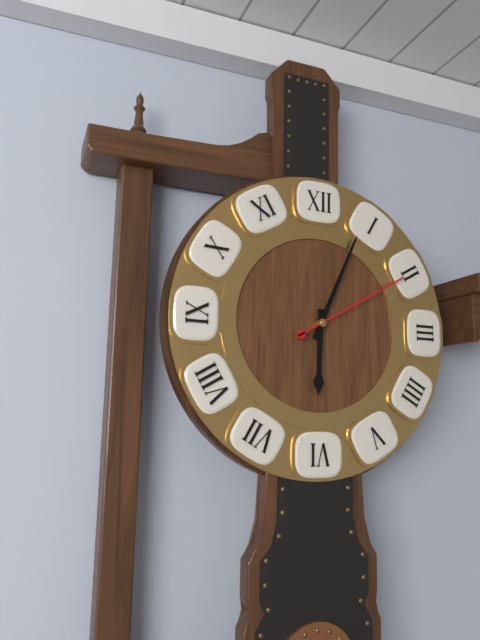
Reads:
h=6 m=4 s=10
